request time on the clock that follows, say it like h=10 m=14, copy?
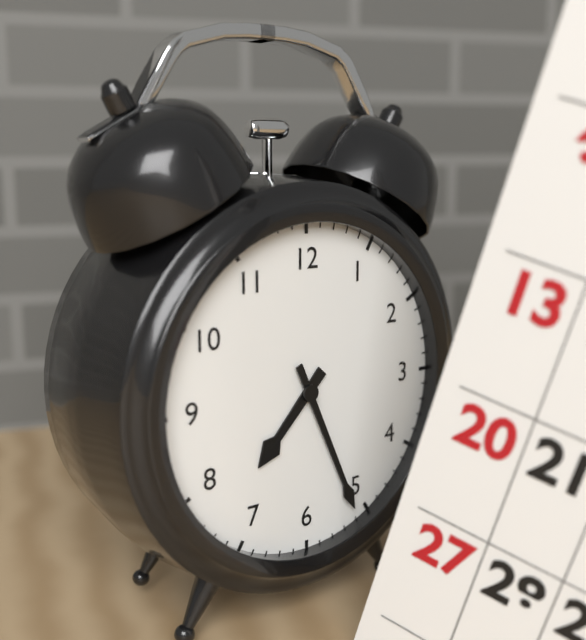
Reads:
h=7 m=26
